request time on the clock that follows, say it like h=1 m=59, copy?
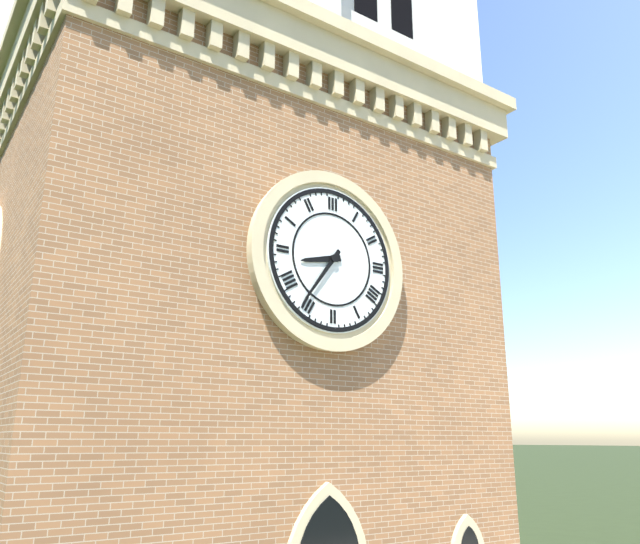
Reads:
h=8 m=36
